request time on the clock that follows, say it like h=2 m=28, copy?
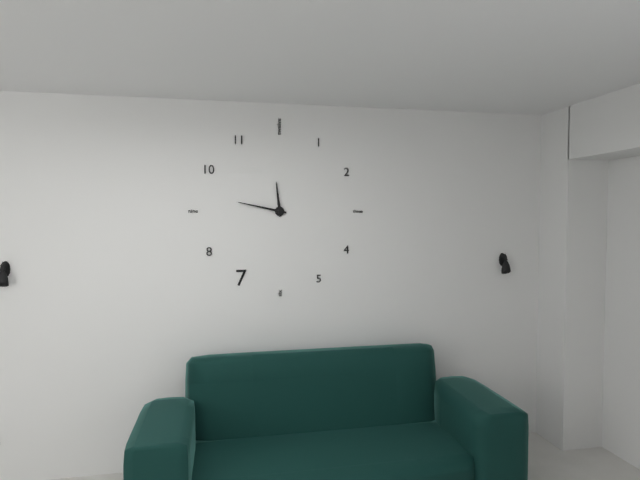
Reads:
h=11 m=47
